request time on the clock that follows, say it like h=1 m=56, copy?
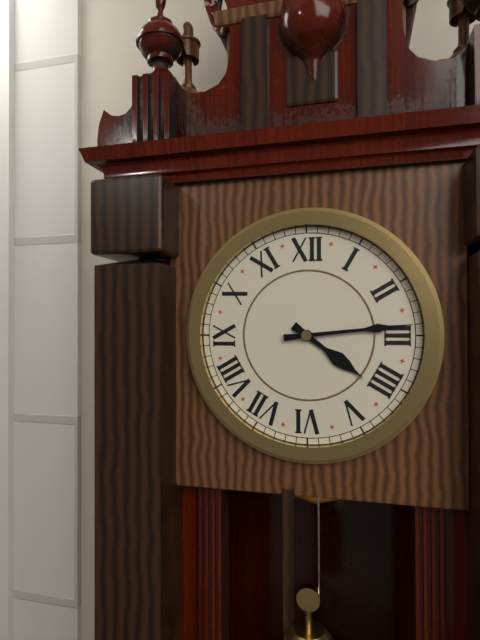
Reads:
h=4 m=14
